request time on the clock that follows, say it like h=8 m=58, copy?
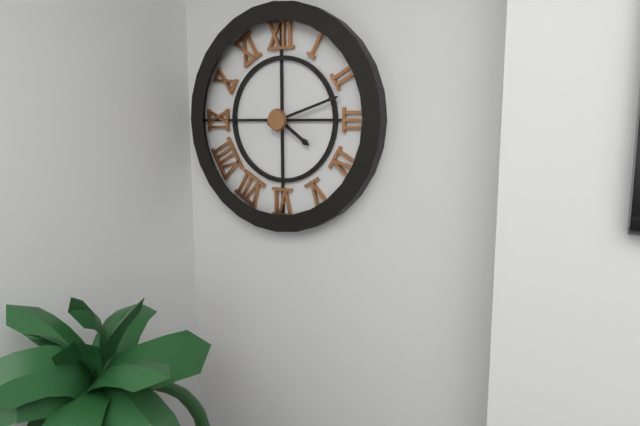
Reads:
h=4 m=12
